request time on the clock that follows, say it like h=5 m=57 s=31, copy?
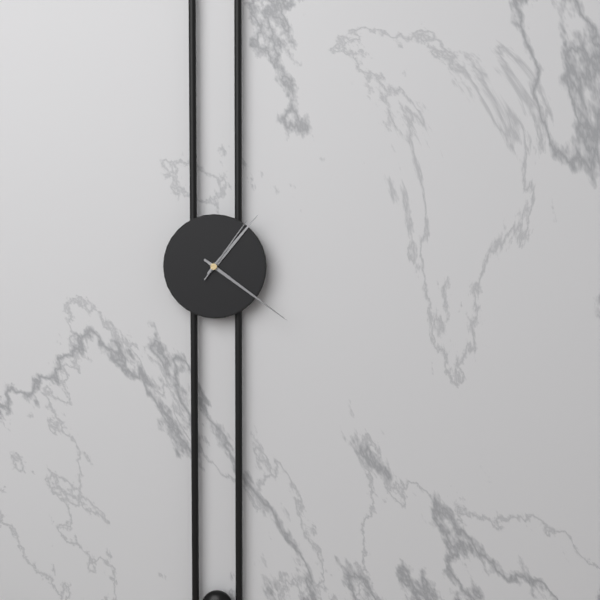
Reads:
h=1 m=21 s=6
